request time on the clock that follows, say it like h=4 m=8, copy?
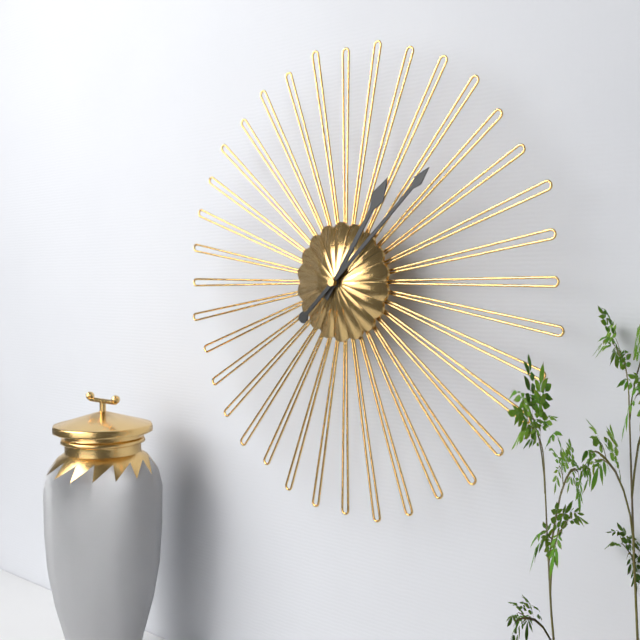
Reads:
h=1 m=8
